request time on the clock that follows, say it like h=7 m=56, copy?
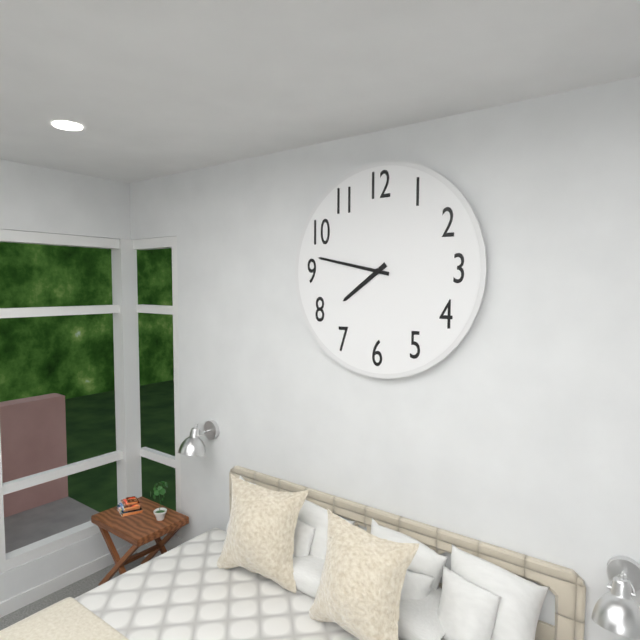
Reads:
h=7 m=47
